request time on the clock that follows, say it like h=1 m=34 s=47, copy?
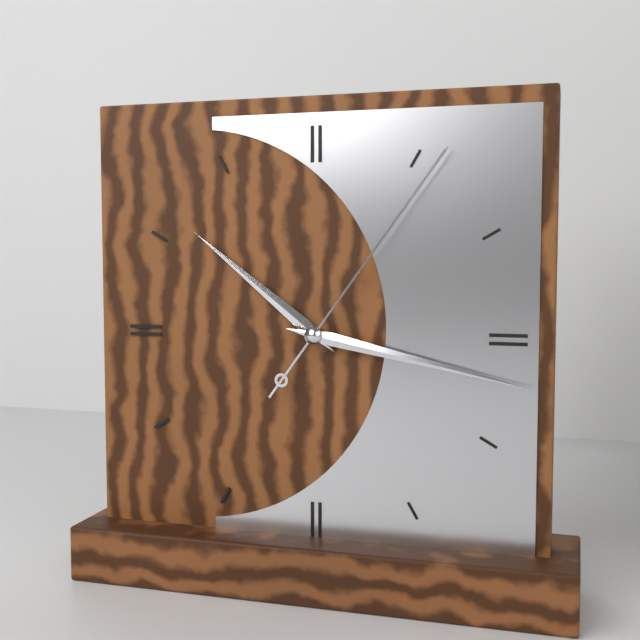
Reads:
h=10 m=17 s=6
